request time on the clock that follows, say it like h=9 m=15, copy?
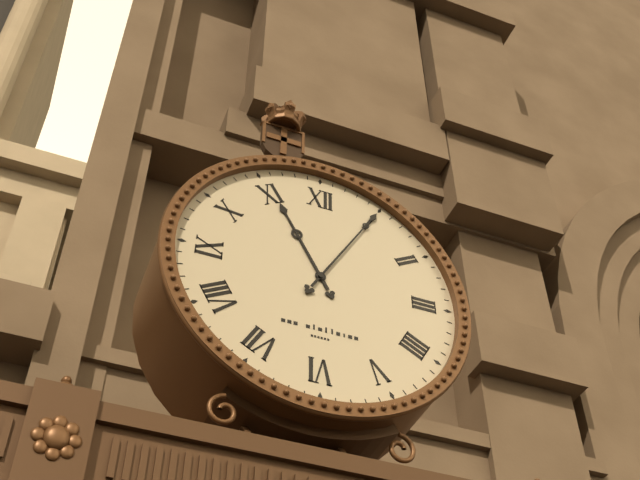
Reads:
h=11 m=5
